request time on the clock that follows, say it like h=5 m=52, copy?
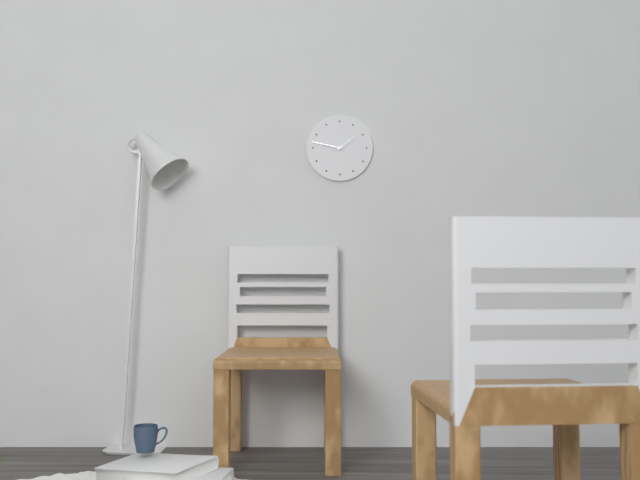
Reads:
h=1 m=47
